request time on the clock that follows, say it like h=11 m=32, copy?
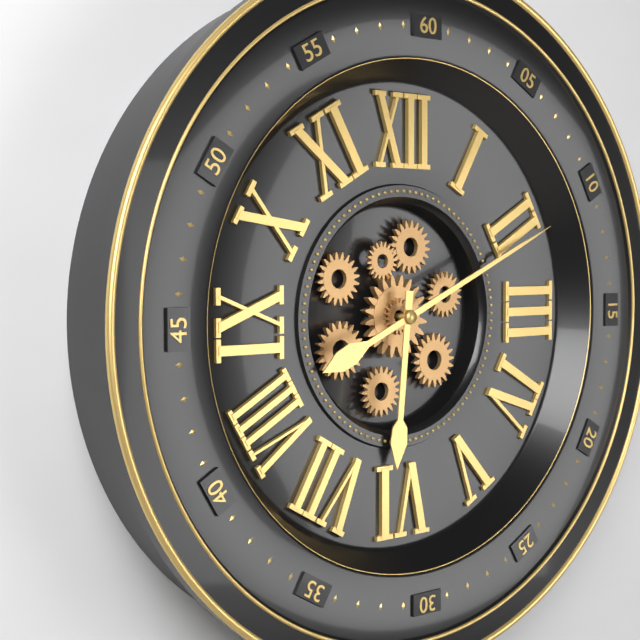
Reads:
h=6 m=11
